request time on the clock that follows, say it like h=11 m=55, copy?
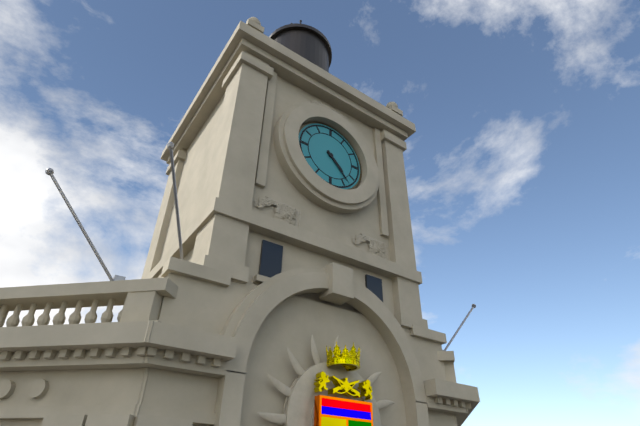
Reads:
h=4 m=23
